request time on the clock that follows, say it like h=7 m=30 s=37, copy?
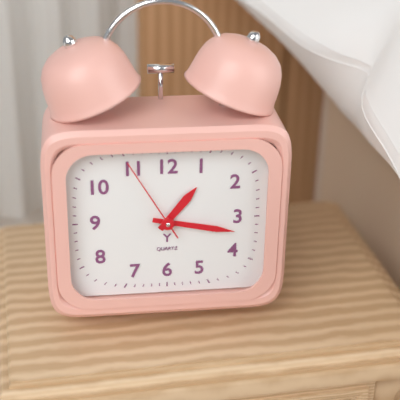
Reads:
h=1 m=17 s=55
